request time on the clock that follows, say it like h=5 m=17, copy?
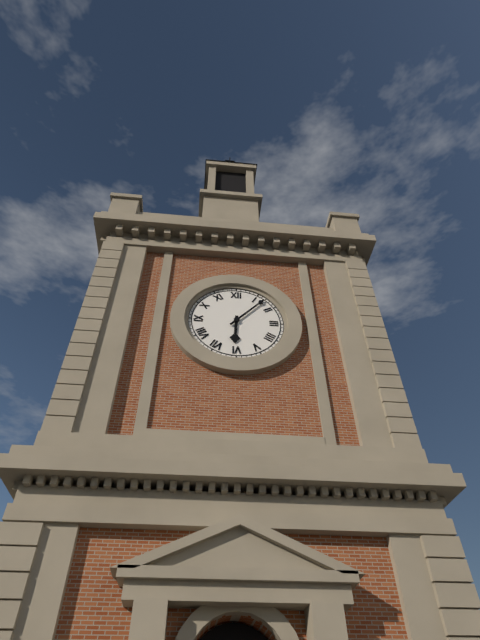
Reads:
h=6 m=7
